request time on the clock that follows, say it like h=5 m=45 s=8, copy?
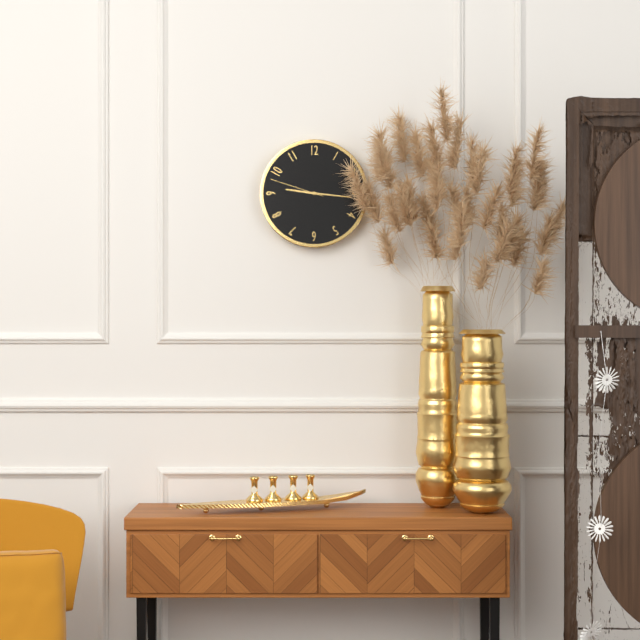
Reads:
h=9 m=16 s=48
